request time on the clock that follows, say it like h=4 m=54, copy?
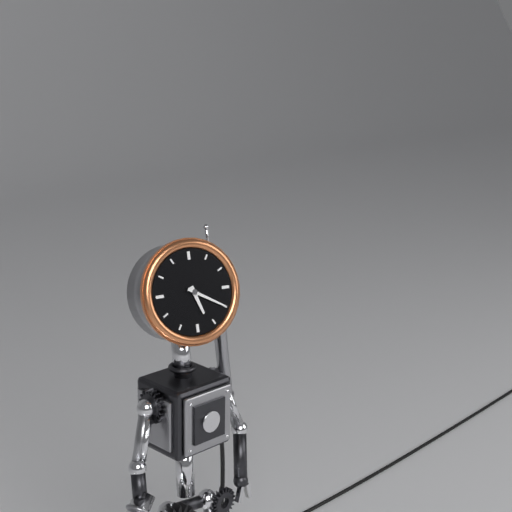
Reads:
h=5 m=20
